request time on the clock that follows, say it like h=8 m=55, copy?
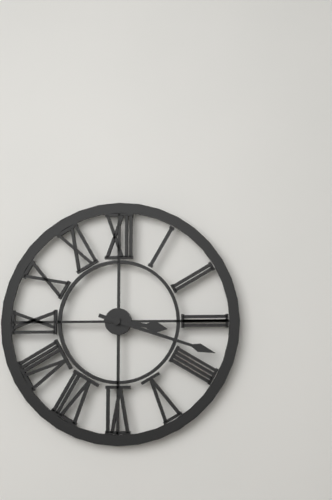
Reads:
h=3 m=18
